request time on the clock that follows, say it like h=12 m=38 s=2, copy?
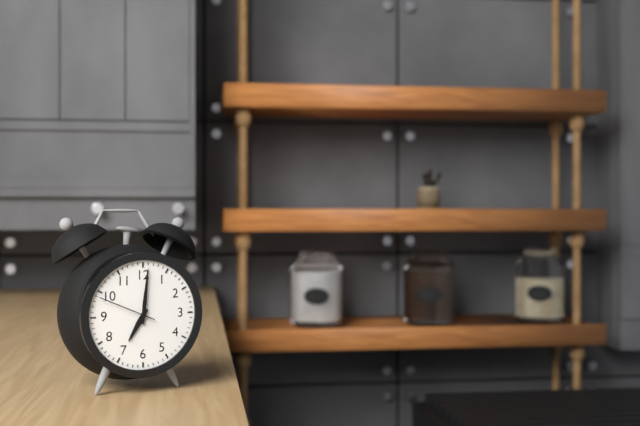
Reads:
h=7 m=1 s=49
